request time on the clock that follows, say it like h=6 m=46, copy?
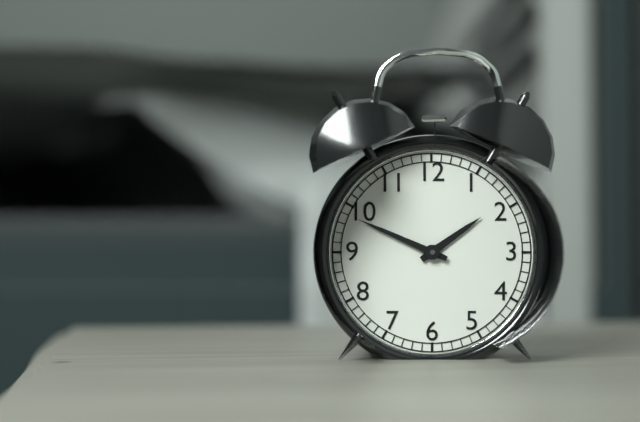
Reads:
h=1 m=49
